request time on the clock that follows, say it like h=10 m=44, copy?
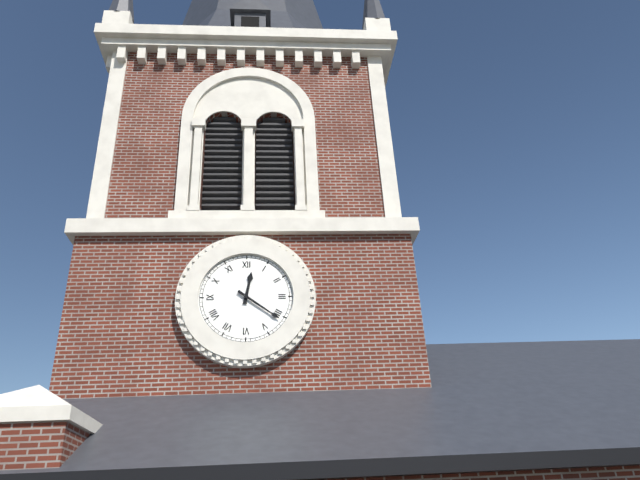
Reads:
h=12 m=21
